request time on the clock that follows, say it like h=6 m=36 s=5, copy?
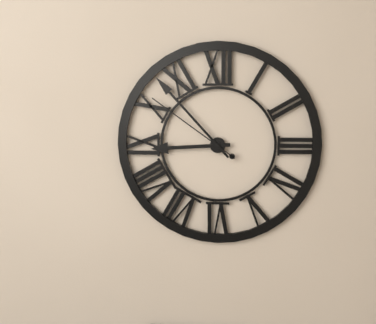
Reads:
h=8 m=53 s=51
